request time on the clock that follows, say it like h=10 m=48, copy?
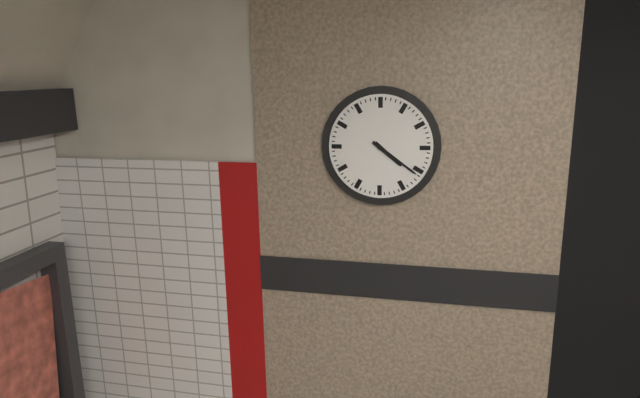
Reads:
h=4 m=21
